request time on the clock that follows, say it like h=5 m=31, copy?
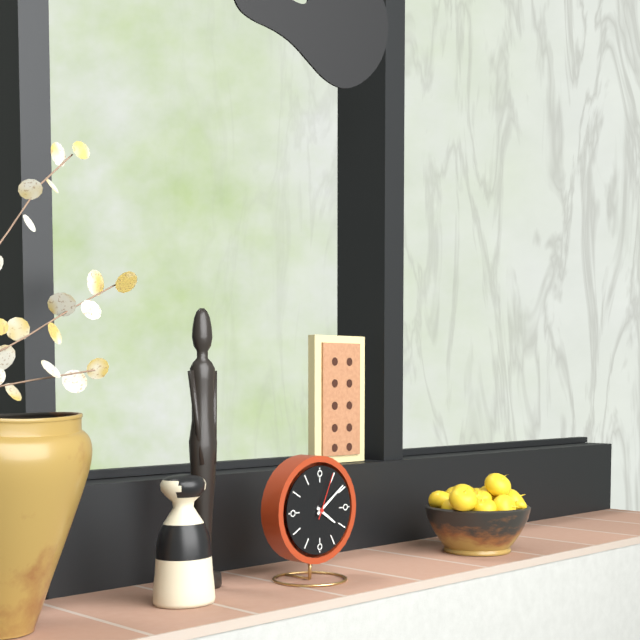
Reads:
h=4 m=9
